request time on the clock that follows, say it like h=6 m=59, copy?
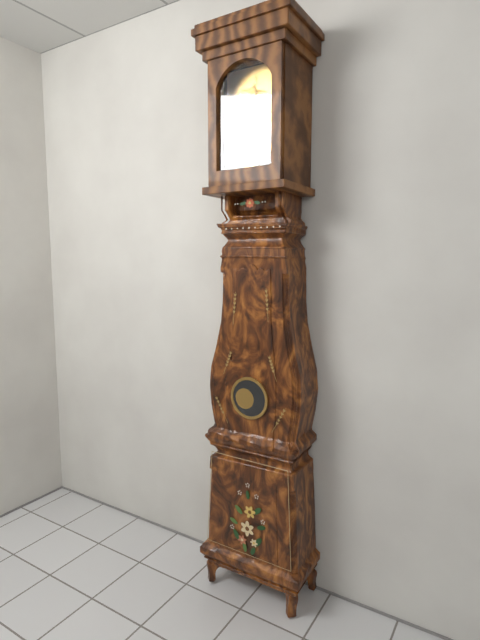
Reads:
h=1 m=56
